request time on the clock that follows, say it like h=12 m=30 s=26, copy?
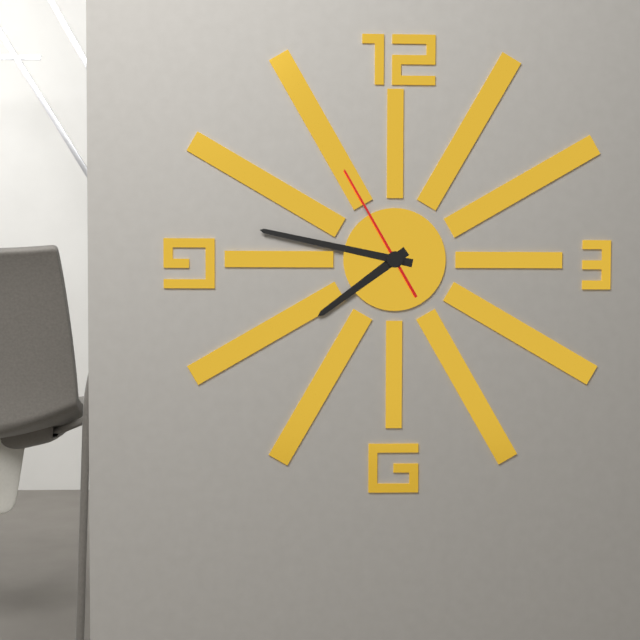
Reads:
h=7 m=47 s=55
